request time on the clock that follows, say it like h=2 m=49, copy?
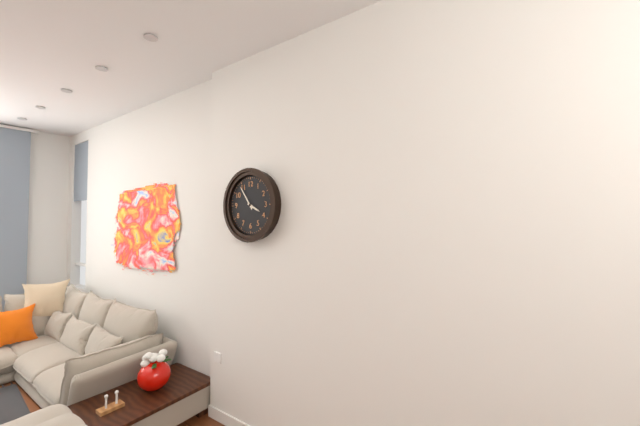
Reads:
h=3 m=54
